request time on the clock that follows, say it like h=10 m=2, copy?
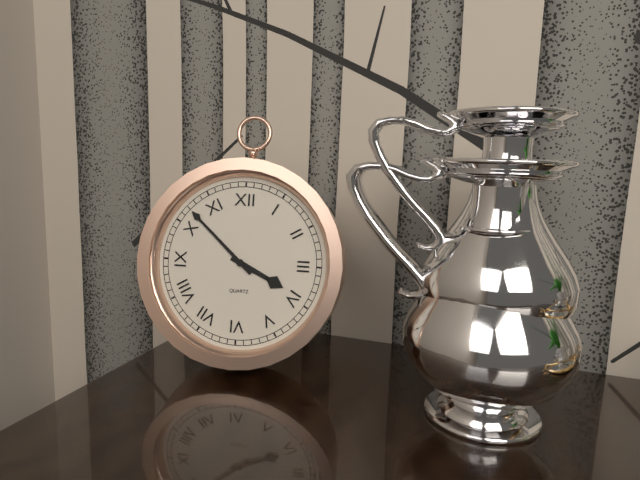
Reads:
h=3 m=52
